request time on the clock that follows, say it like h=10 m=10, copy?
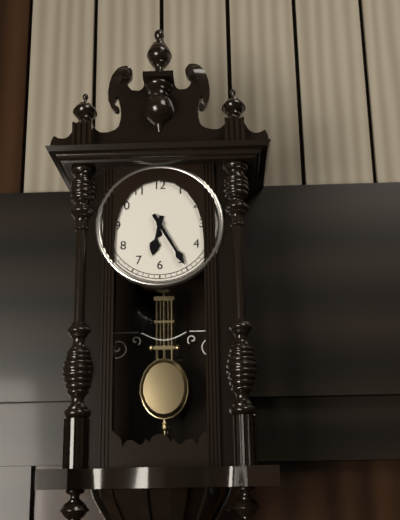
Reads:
h=6 m=25
